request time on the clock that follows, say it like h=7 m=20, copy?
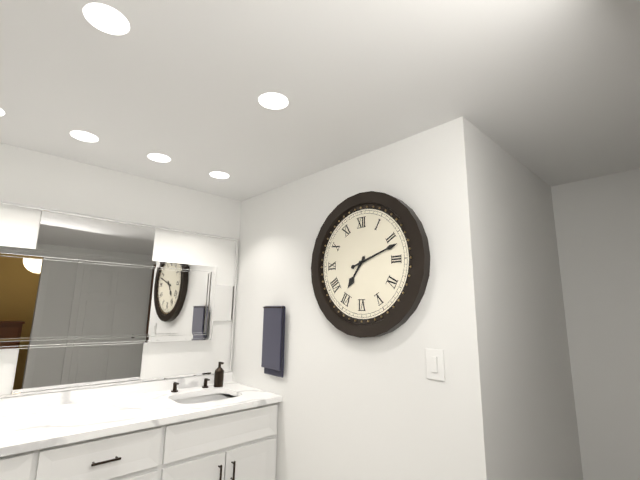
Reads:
h=7 m=12
